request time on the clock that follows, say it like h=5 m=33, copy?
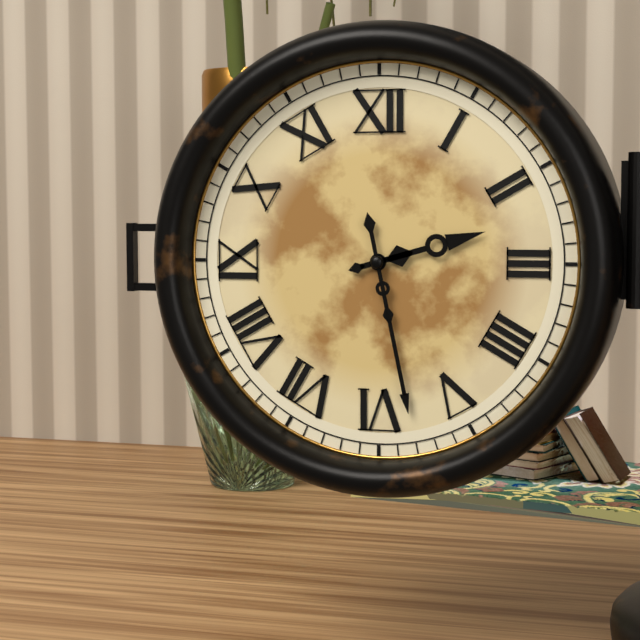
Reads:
h=2 m=28
